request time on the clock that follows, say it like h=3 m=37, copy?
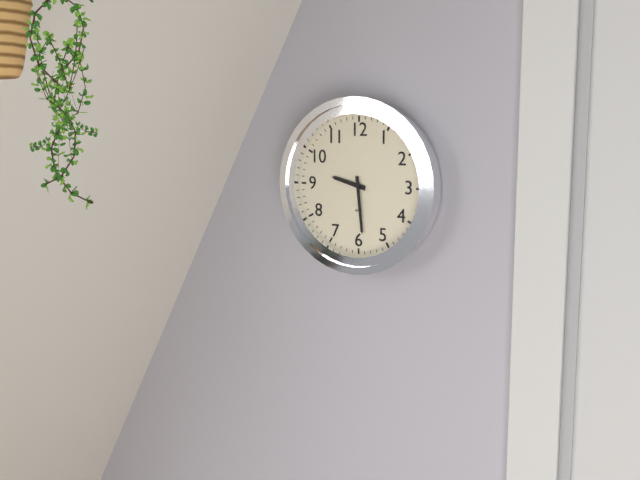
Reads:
h=9 m=29
